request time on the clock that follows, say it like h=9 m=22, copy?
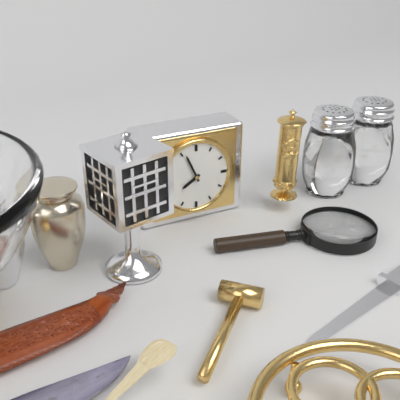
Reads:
h=7 m=56
